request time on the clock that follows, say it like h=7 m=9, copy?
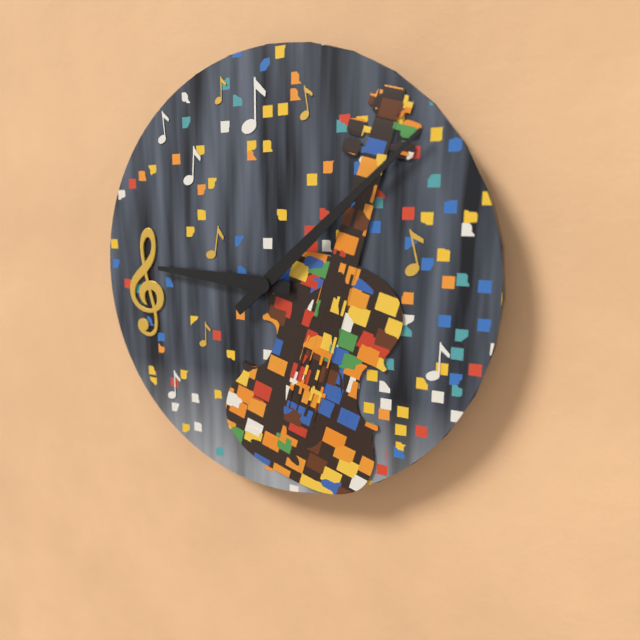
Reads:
h=9 m=8
